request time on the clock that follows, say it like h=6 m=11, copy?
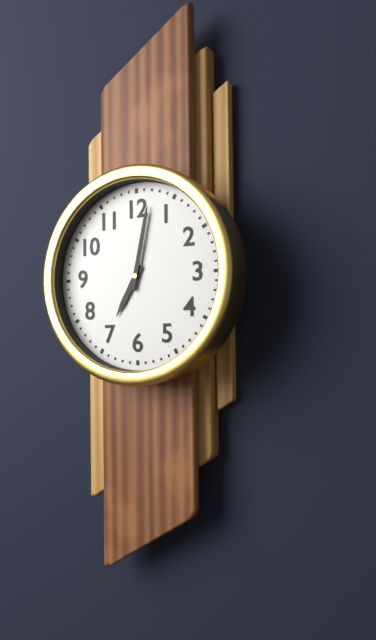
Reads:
h=7 m=2
